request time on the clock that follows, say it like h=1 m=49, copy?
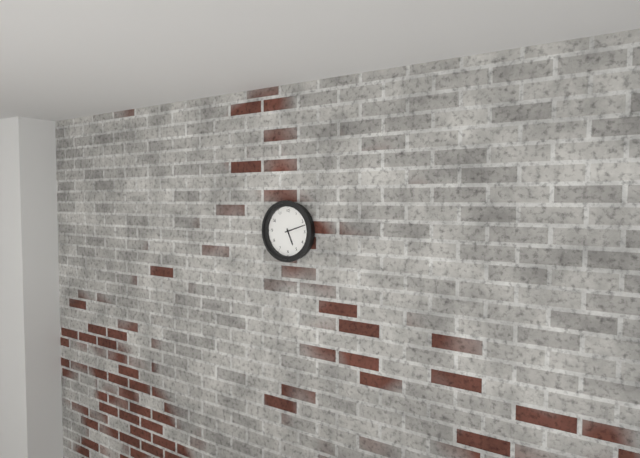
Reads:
h=5 m=12
